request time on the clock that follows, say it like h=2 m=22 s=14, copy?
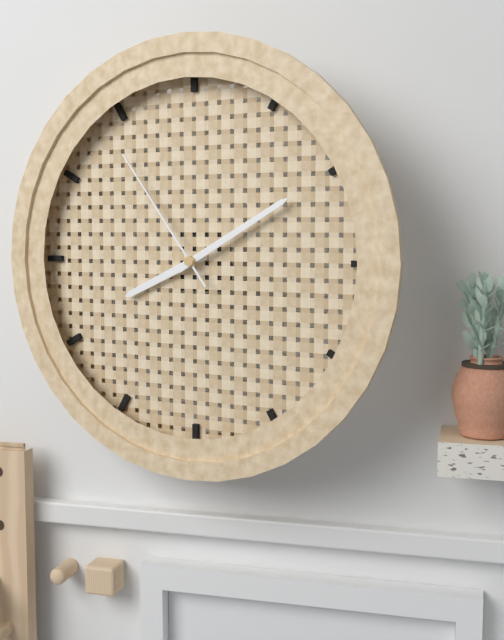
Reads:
h=8 m=10 s=54
